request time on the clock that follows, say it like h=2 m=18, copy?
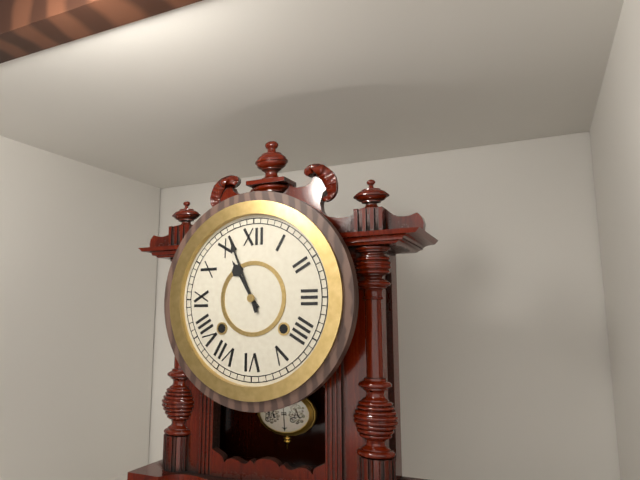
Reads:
h=10 m=56
